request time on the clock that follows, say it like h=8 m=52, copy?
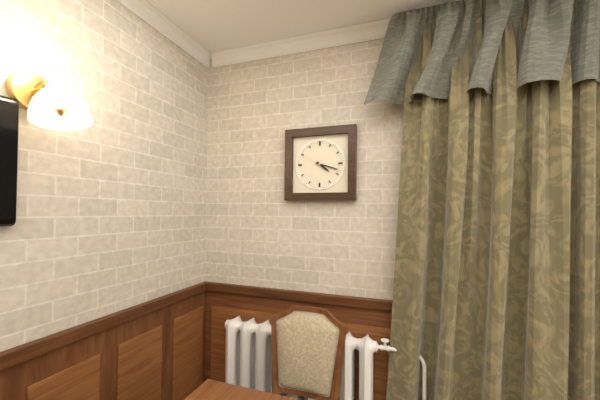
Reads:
h=4 m=18
